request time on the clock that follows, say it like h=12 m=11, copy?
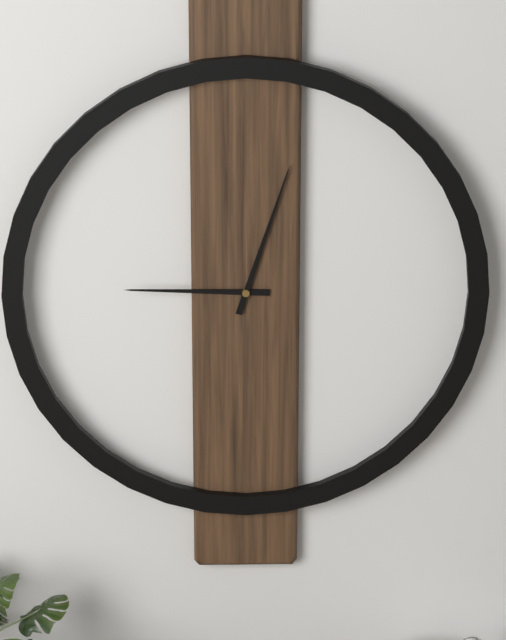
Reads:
h=9 m=3
